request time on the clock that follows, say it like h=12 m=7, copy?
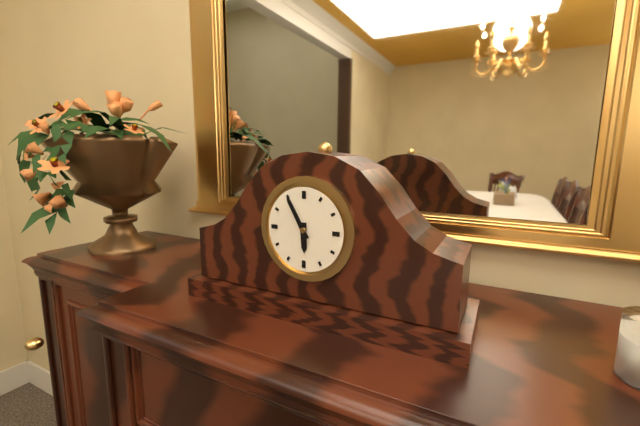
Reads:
h=5 m=55
